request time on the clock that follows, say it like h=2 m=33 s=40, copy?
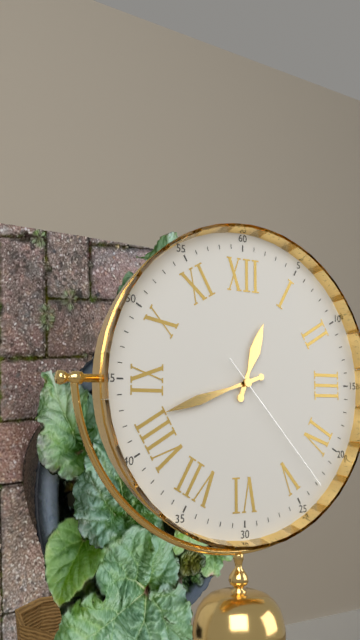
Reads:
h=12 m=42 s=23
